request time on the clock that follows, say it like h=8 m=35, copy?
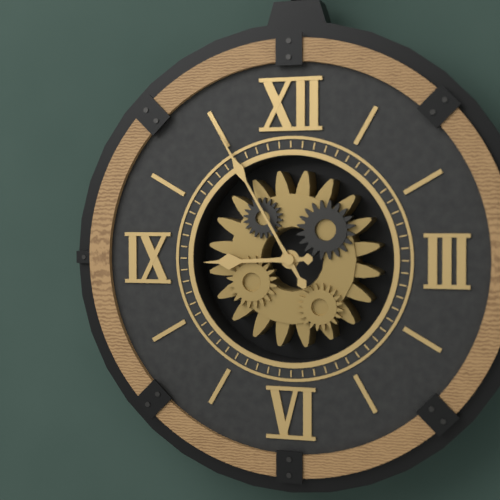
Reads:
h=8 m=55
